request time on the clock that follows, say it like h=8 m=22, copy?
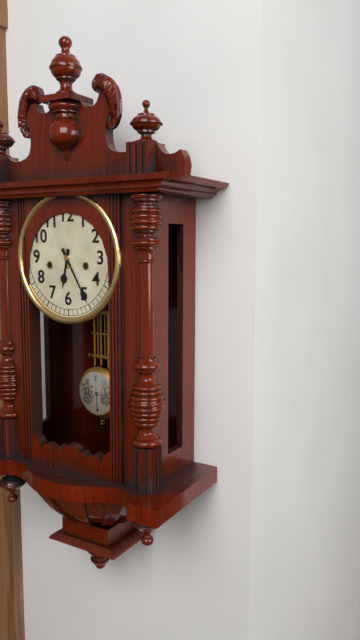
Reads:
h=6 m=25
